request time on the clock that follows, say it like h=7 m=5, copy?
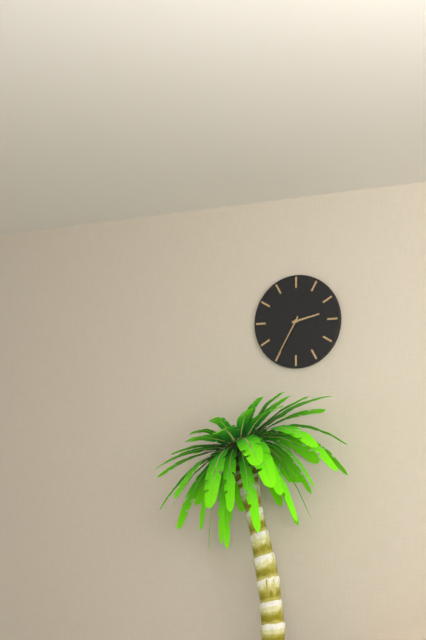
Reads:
h=2 m=35
